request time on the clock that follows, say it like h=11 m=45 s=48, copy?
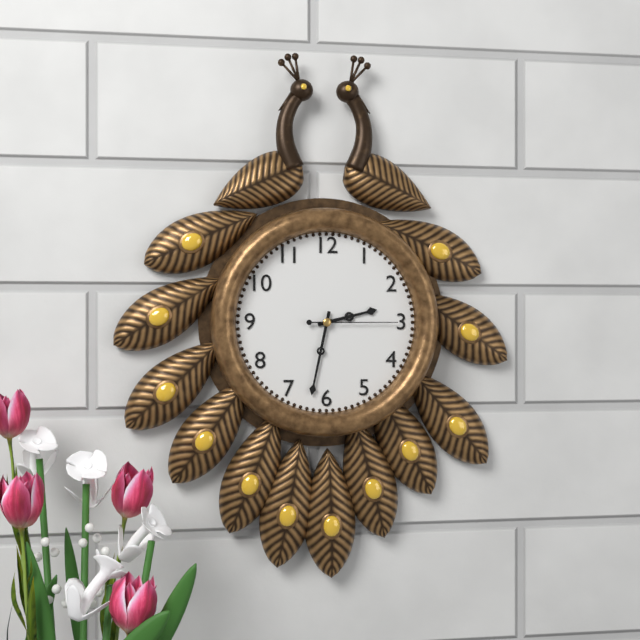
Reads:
h=2 m=32 s=15
